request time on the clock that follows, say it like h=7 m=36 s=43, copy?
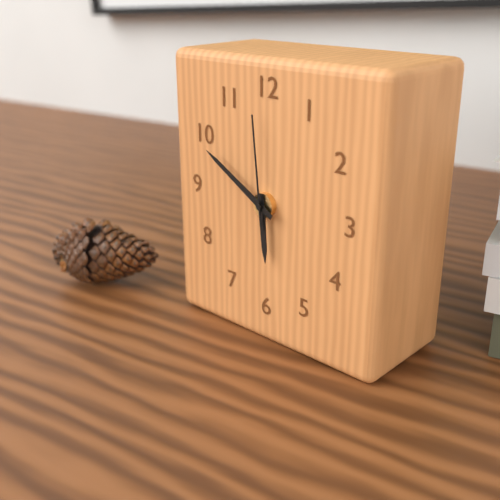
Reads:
h=5 m=50 s=59
